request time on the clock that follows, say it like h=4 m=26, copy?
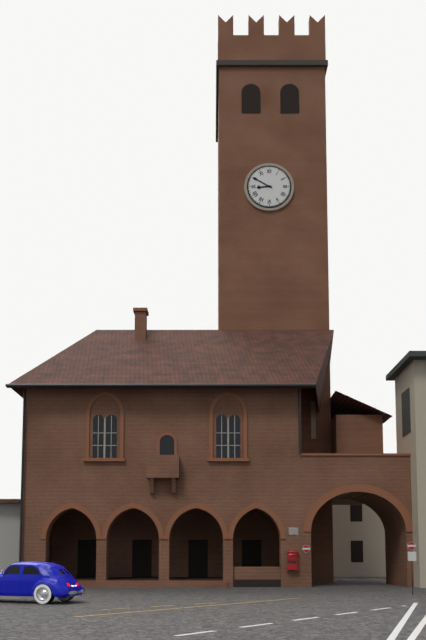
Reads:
h=8 m=50
